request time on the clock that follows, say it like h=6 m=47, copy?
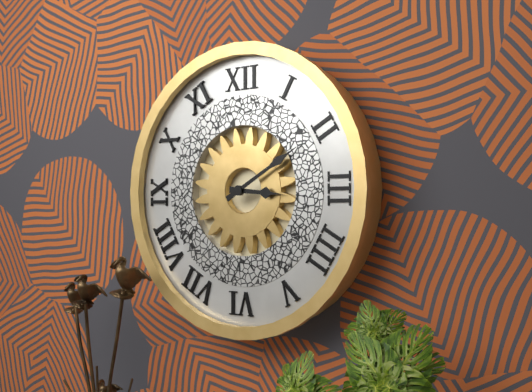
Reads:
h=3 m=10
